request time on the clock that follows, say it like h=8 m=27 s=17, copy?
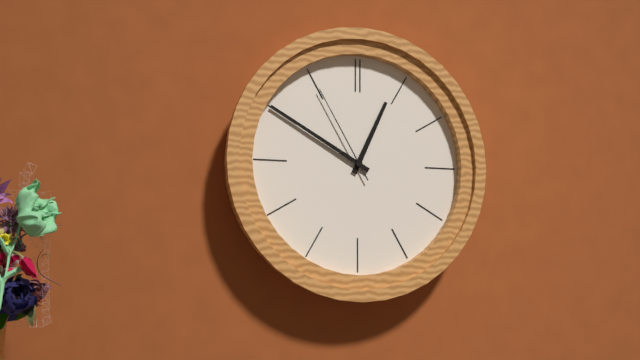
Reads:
h=12 m=50 s=55
